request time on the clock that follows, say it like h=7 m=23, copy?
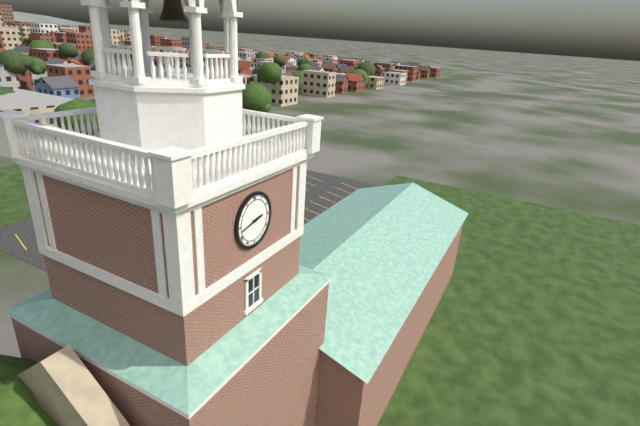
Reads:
h=2 m=43
